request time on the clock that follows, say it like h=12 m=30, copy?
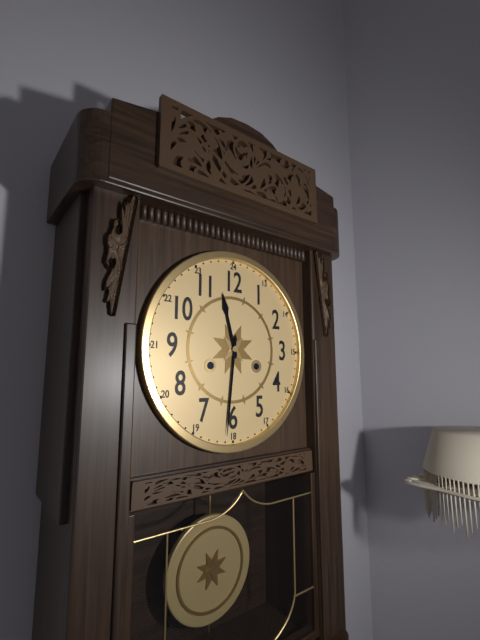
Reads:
h=11 m=31
